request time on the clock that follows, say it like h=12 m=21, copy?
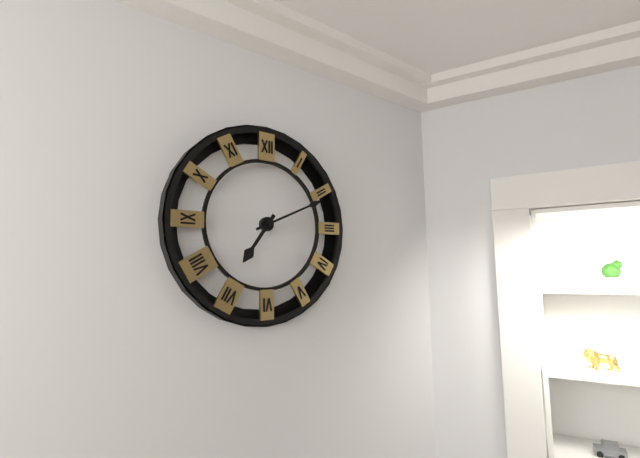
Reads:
h=7 m=11
